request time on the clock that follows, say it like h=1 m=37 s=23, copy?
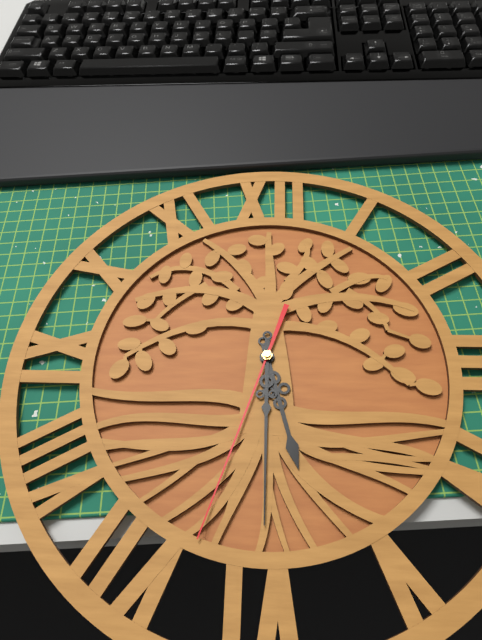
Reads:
h=5 m=30 s=33
